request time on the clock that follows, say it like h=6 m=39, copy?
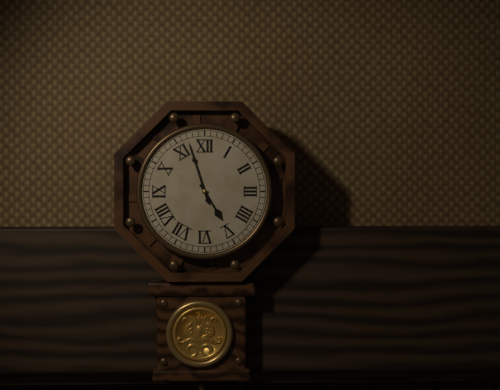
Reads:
h=4 m=57
